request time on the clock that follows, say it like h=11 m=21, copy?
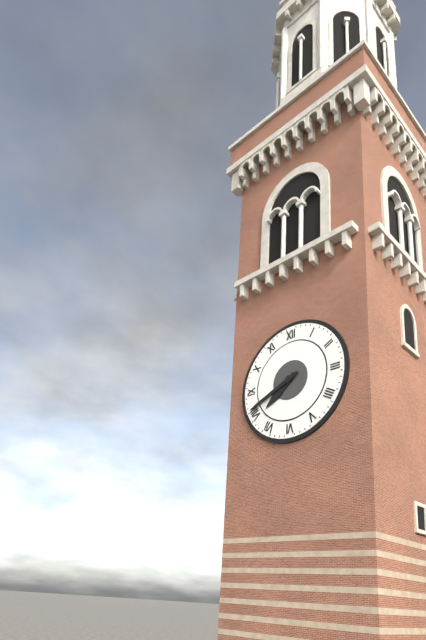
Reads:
h=7 m=41
